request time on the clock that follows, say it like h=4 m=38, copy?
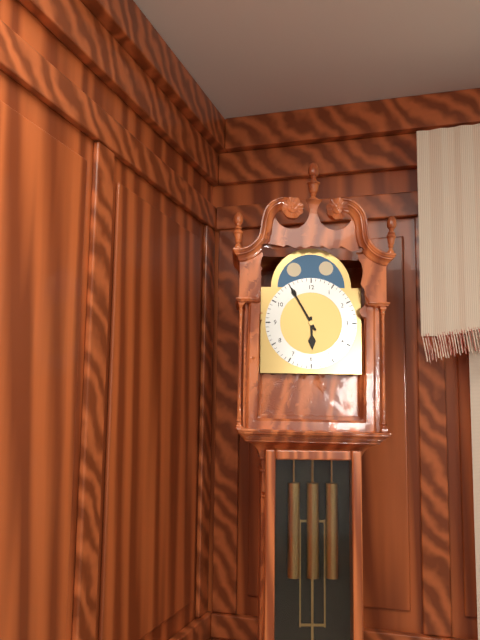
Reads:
h=5 m=55
